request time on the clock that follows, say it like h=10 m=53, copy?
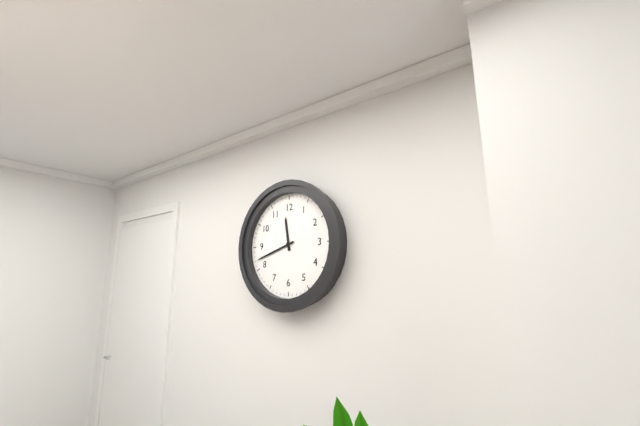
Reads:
h=11 m=42
